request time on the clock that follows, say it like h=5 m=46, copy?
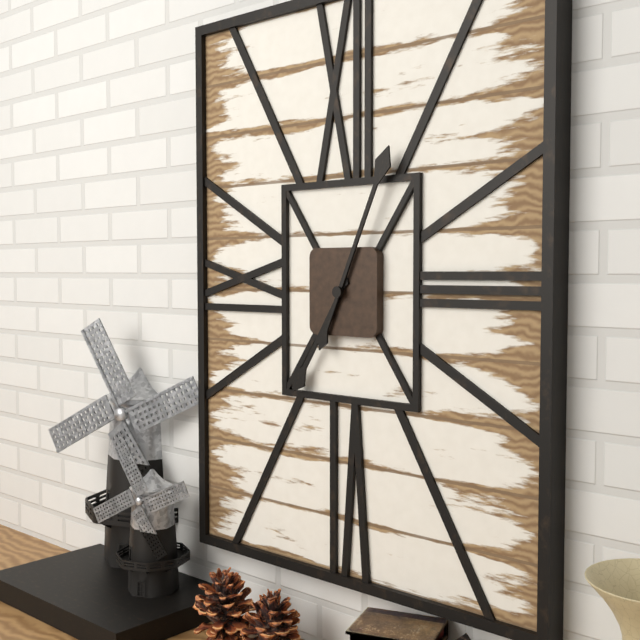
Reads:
h=7 m=4
